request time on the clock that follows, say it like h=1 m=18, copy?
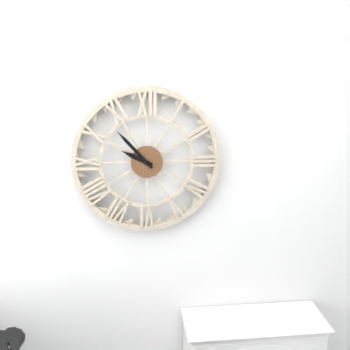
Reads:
h=9 m=53
